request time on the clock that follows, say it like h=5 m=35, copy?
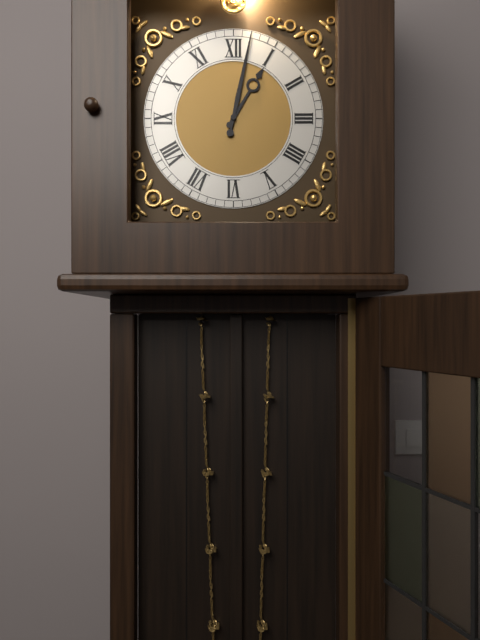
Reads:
h=1 m=2
